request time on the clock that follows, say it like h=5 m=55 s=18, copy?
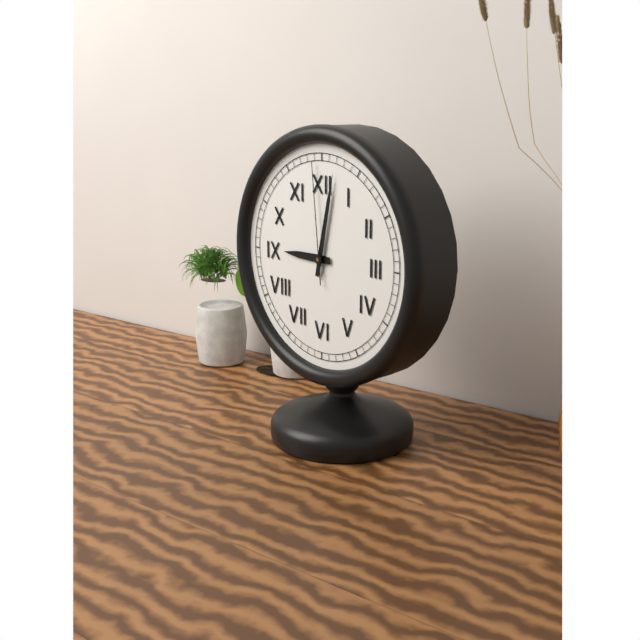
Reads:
h=9 m=2 s=59
